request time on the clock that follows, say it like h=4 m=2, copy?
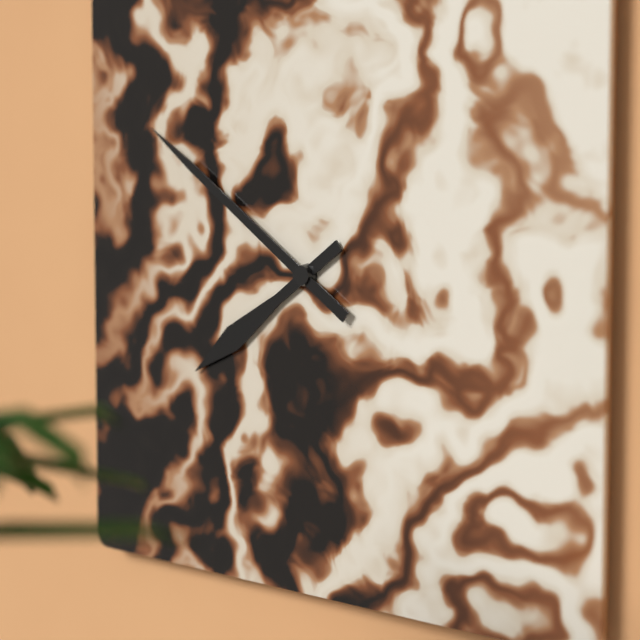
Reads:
h=7 m=51
